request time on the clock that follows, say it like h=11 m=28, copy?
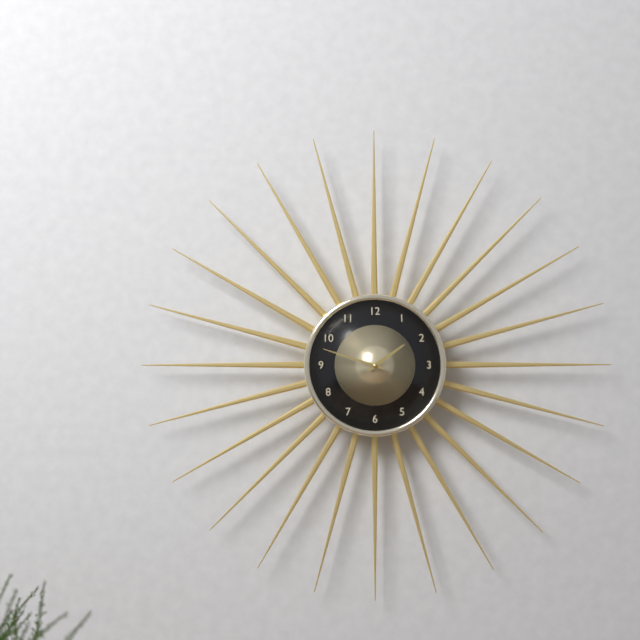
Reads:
h=1 m=48
